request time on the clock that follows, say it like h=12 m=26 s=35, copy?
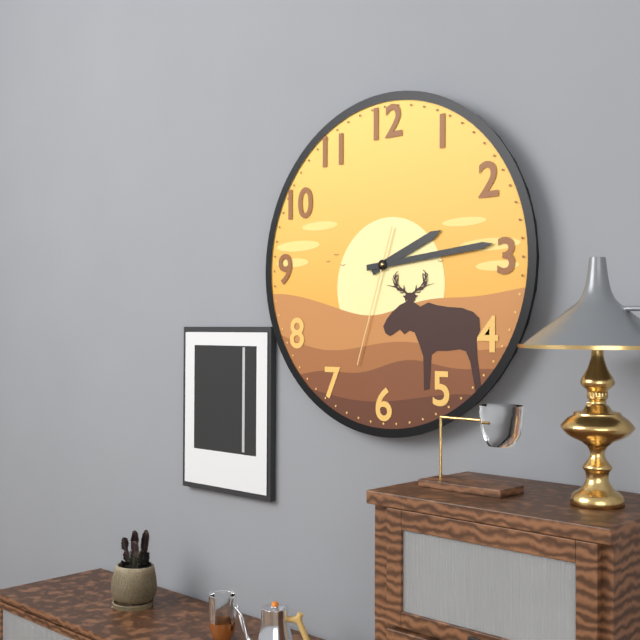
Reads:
h=2 m=14 s=33
